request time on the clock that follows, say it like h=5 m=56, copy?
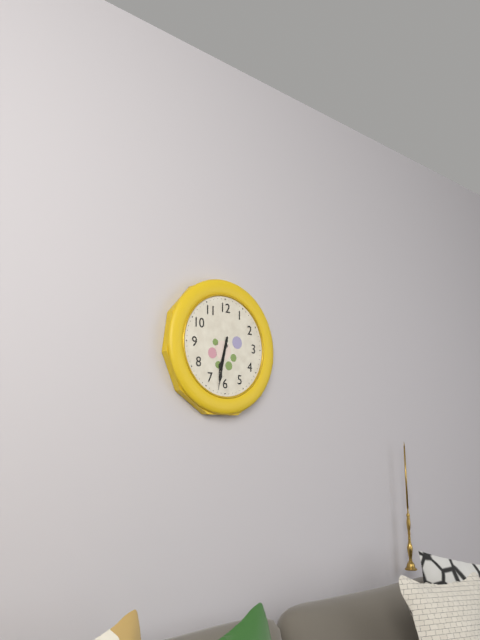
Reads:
h=6 m=32
